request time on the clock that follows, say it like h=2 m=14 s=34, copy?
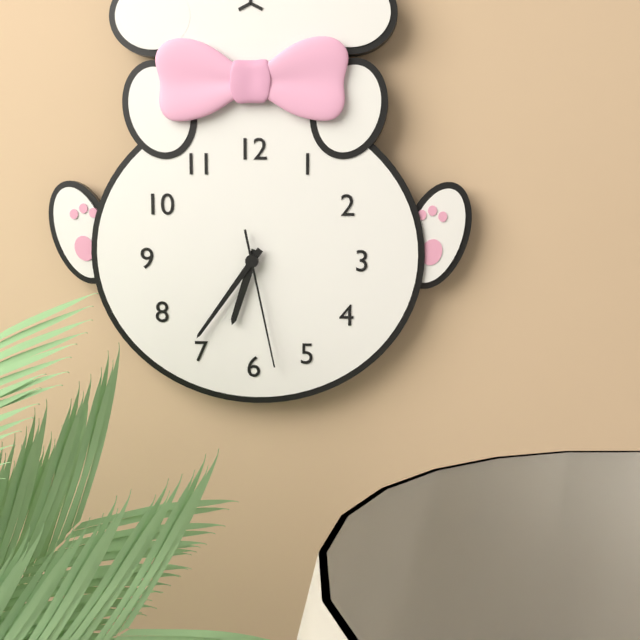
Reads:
h=6 m=36 s=28
